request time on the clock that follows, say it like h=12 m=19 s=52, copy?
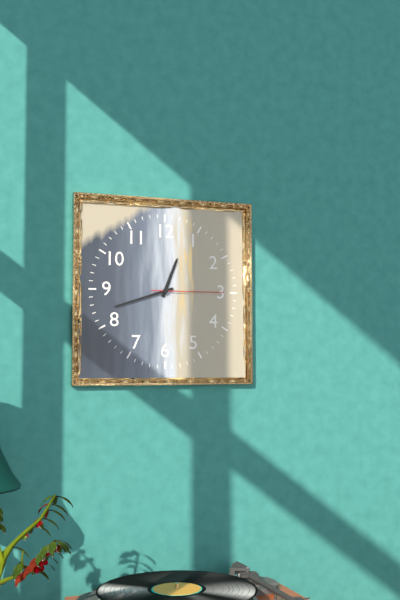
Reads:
h=12 m=42 s=15
